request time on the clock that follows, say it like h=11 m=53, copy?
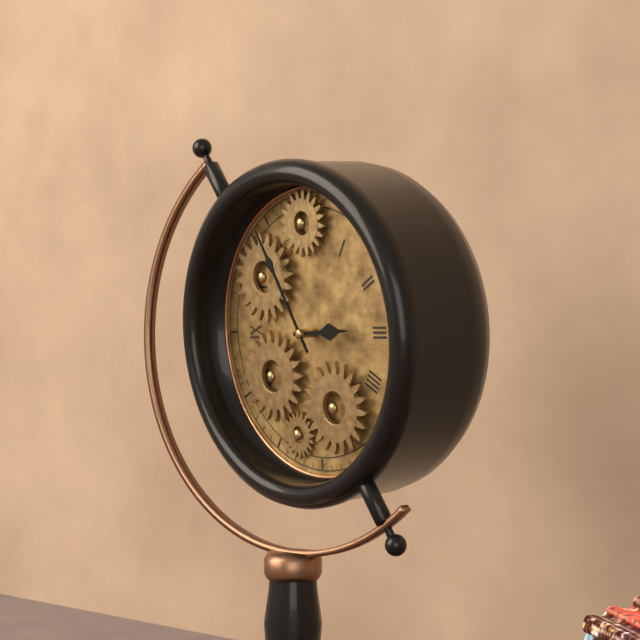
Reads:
h=2 m=55
